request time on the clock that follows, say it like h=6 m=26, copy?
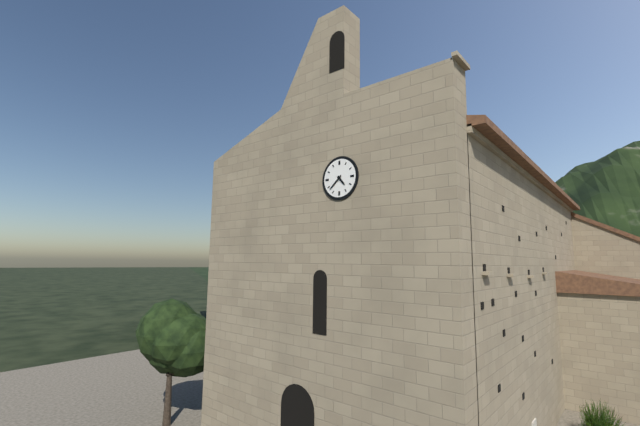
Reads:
h=4 m=38
